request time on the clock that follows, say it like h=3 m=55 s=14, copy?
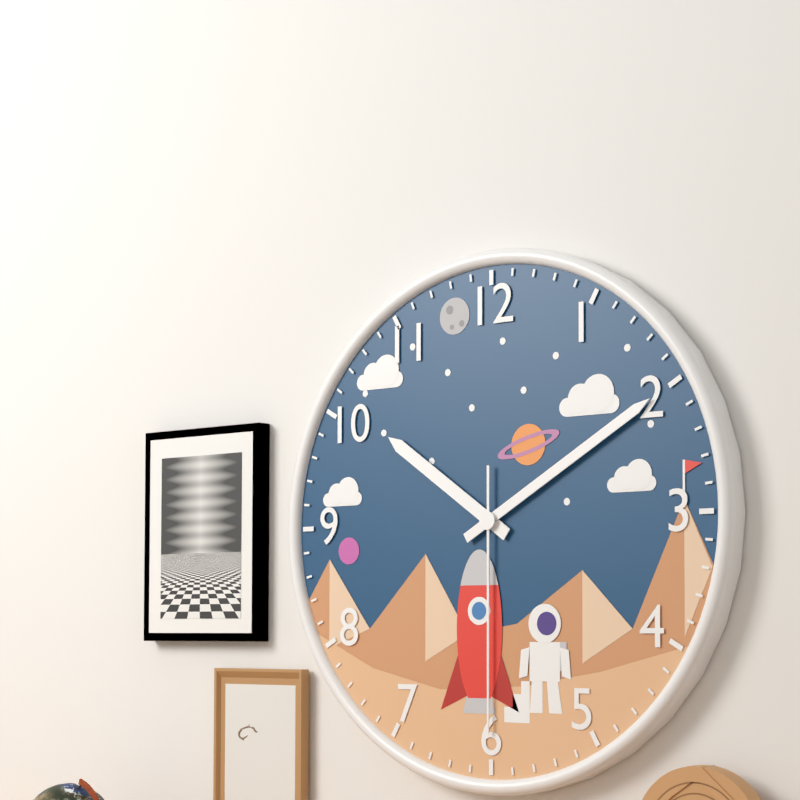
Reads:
h=10 m=10 s=30
